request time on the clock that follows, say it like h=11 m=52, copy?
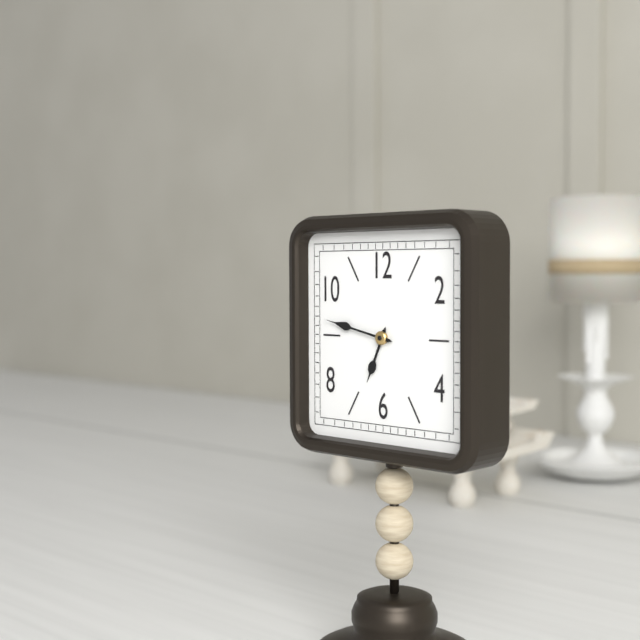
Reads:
h=6 m=47
